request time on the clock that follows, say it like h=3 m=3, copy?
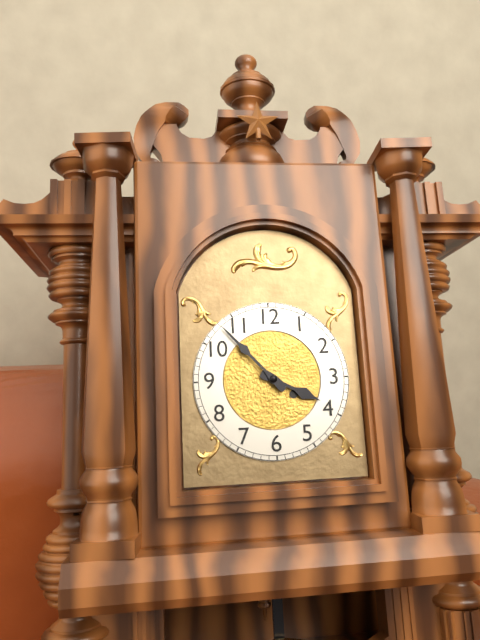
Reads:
h=3 m=53
